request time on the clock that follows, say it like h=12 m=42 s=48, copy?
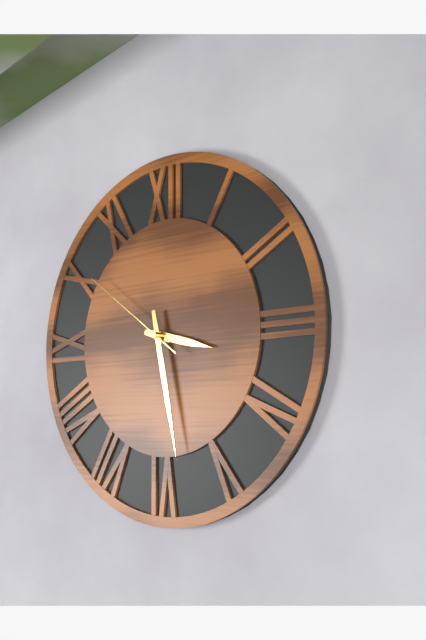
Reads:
h=3 m=28 s=51
